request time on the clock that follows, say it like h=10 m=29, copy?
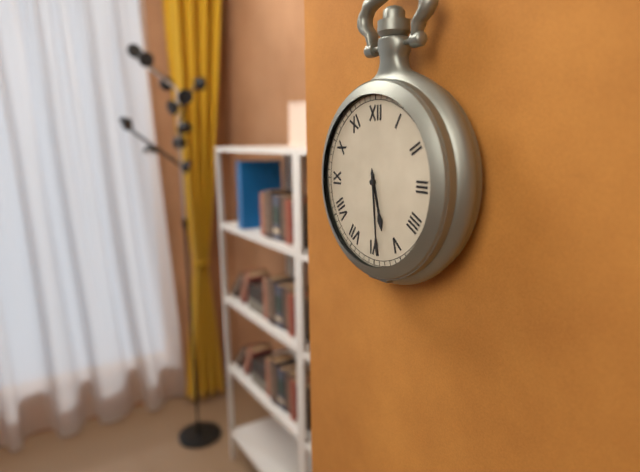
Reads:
h=5 m=29
